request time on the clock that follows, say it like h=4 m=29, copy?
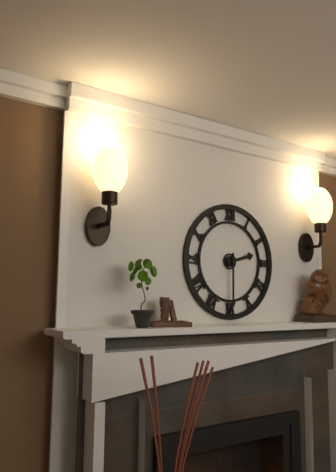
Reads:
h=2 m=30
